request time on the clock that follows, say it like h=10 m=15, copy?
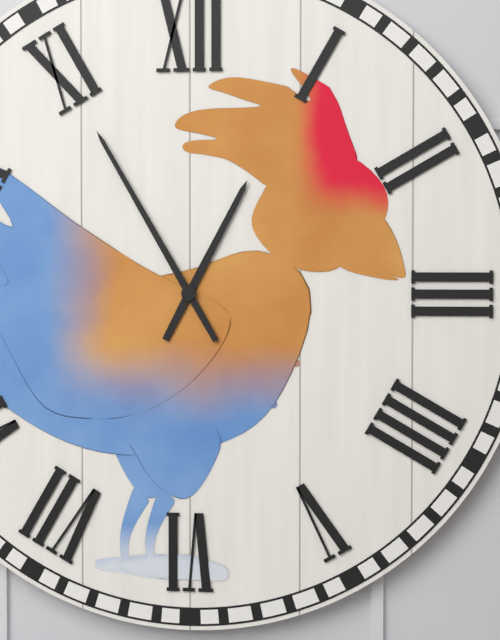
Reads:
h=12 m=55
